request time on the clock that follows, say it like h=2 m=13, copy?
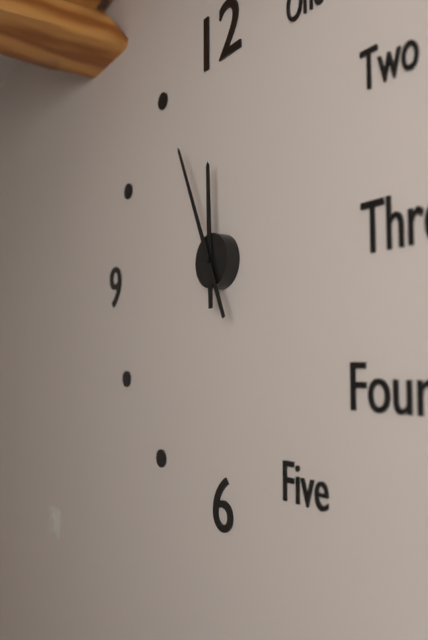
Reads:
h=11 m=56
